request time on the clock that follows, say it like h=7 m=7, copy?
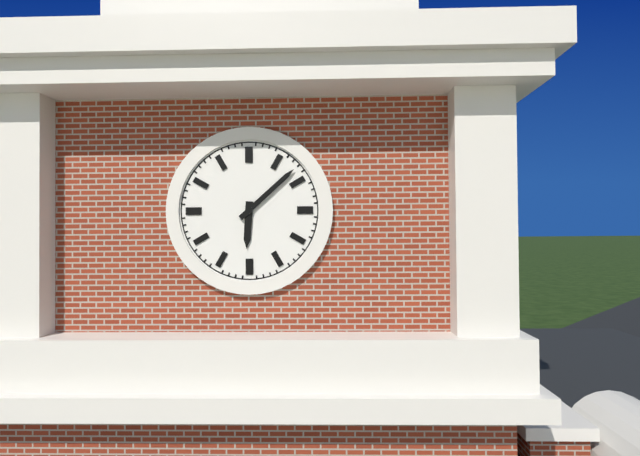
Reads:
h=6 m=8
